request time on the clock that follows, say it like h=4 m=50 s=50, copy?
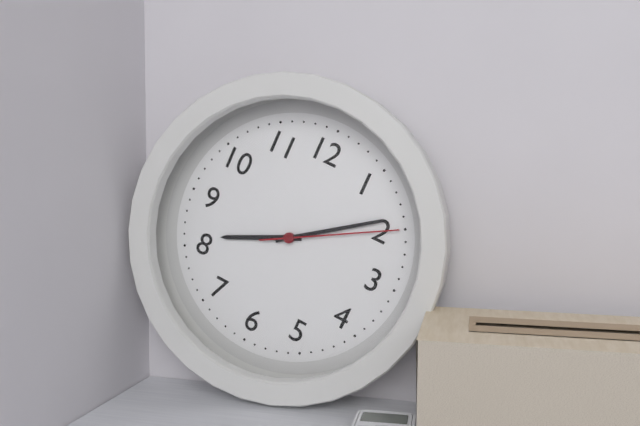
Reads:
h=8 m=9 s=10
